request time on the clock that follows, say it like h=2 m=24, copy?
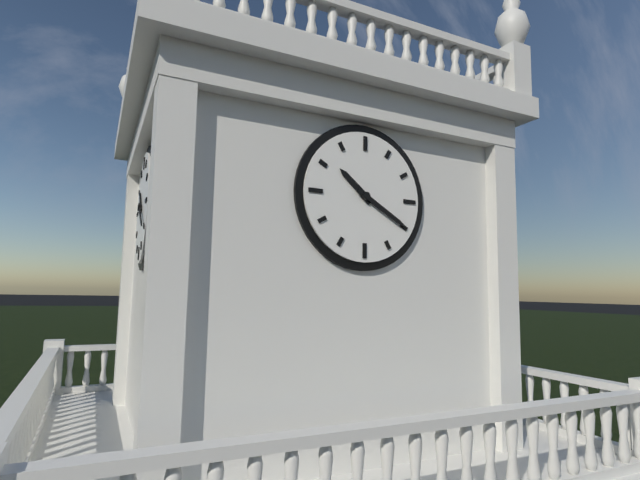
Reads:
h=10 m=20
